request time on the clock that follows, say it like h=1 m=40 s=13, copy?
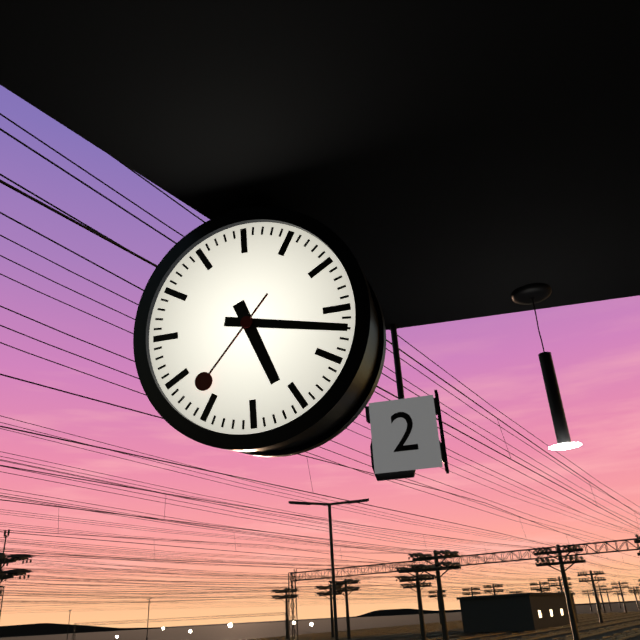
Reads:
h=5 m=17 s=37
